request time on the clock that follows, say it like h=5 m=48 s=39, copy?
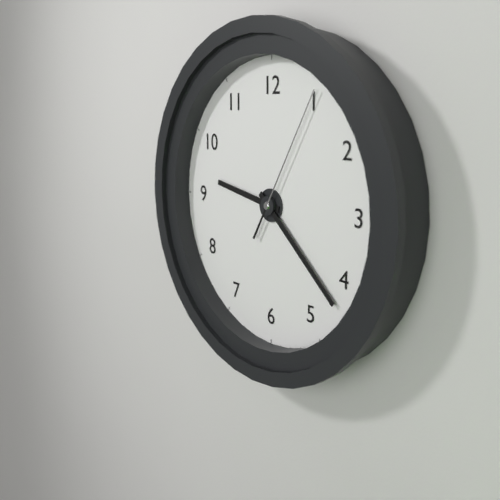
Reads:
h=9 m=22 s=5
